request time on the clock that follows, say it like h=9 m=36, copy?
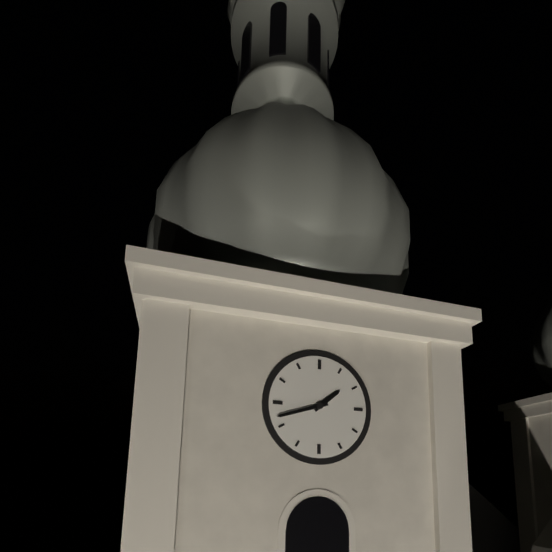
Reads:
h=1 m=42
